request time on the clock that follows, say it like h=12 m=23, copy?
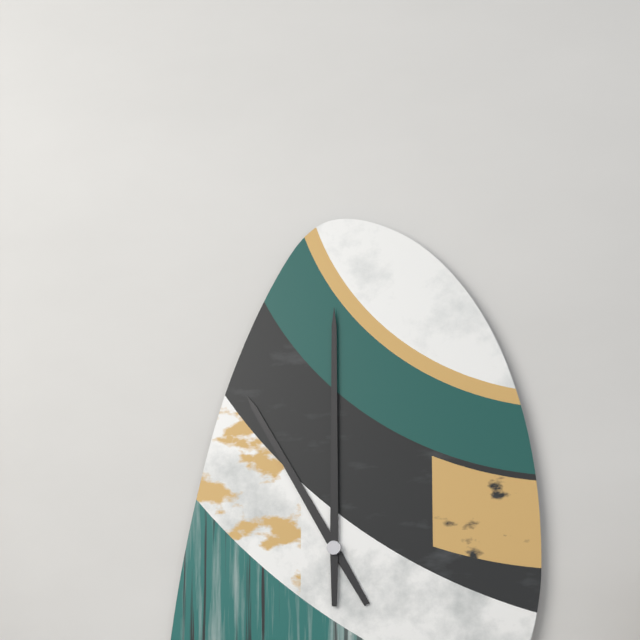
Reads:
h=11 m=0
